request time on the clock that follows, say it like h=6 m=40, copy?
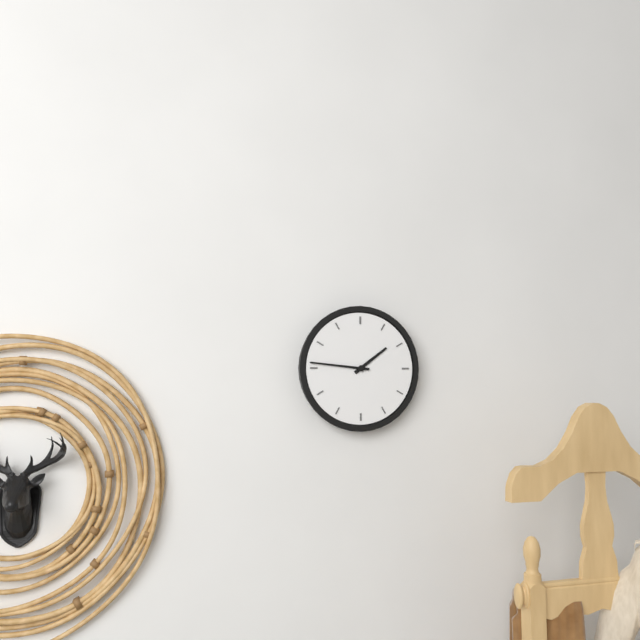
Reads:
h=1 m=46
